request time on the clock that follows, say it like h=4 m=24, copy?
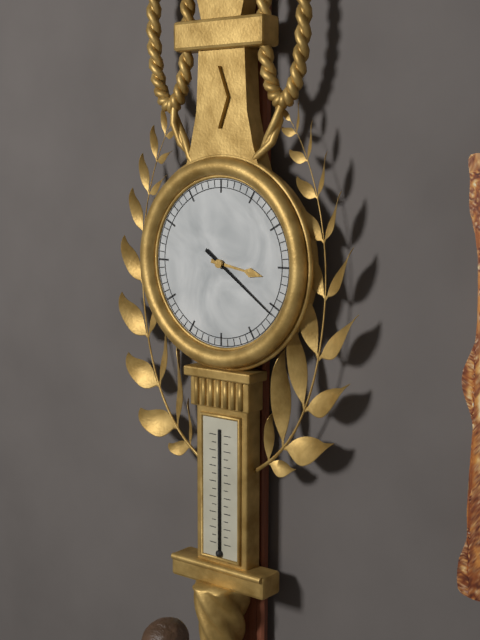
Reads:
h=3 m=21
